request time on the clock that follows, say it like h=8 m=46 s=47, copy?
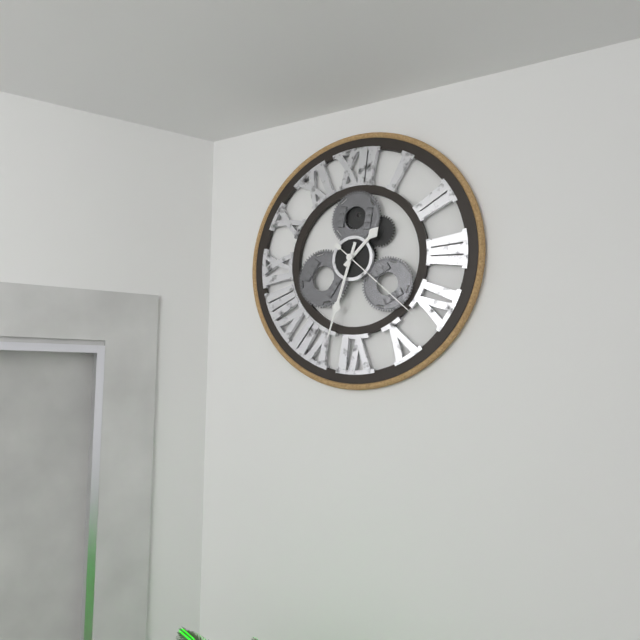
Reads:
h=1 m=33 s=22
